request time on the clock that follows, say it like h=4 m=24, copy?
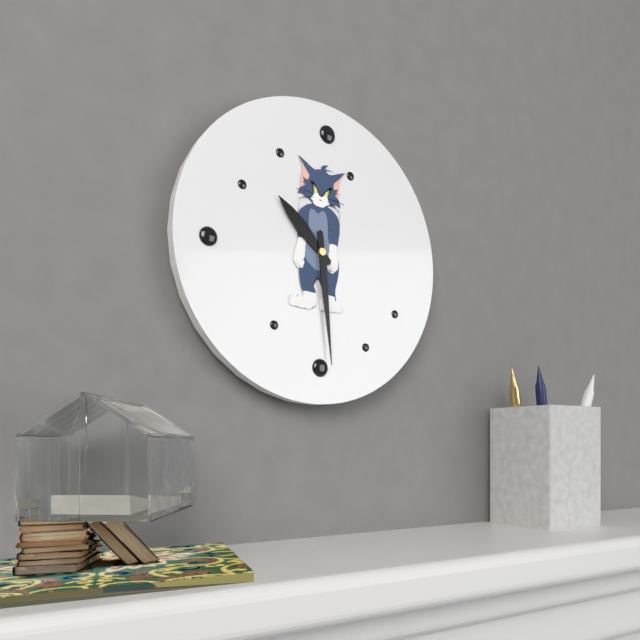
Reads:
h=10 m=29
